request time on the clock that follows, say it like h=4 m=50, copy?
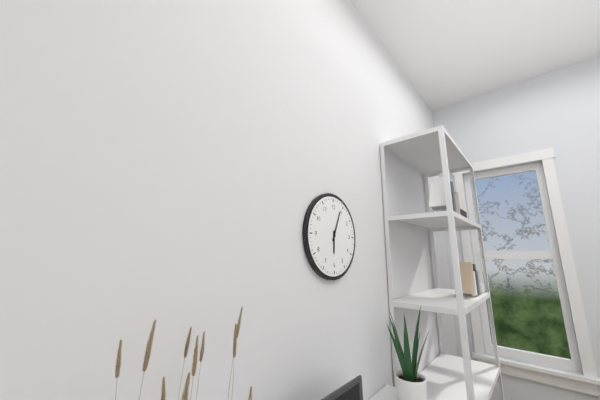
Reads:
h=6 m=4
